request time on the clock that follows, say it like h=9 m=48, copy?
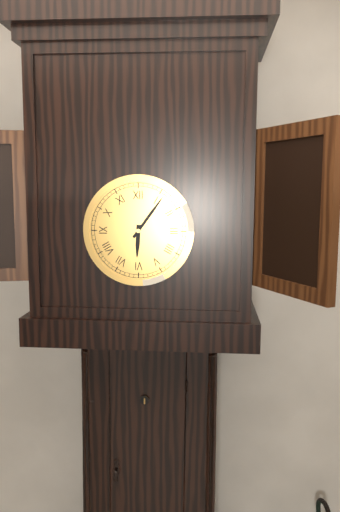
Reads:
h=6 m=6
